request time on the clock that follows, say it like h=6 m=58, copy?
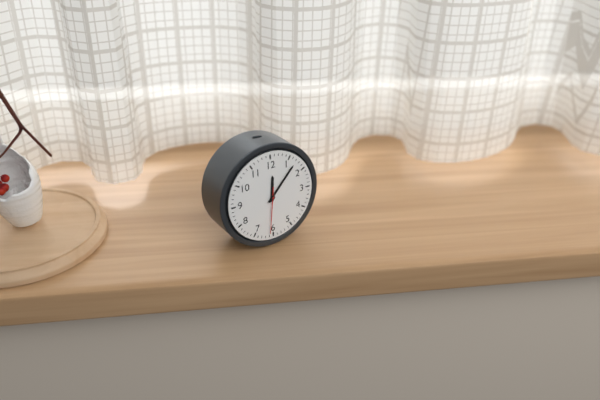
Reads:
h=12 m=7
